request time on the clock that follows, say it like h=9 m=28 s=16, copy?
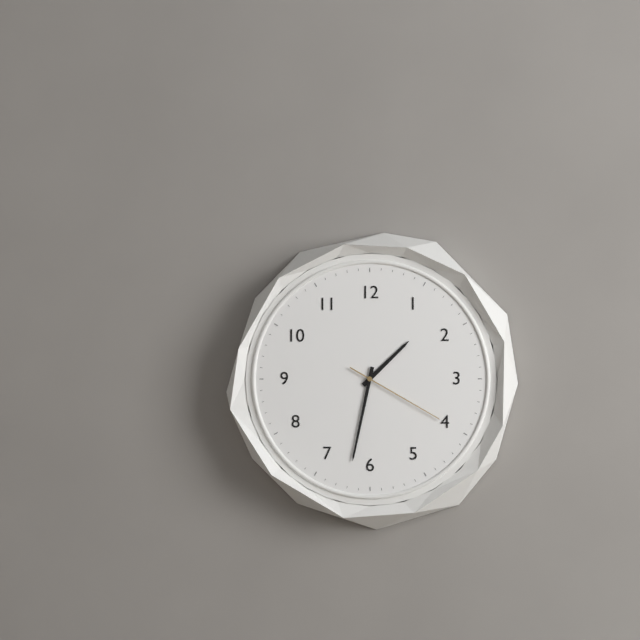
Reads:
h=1 m=32 s=20
